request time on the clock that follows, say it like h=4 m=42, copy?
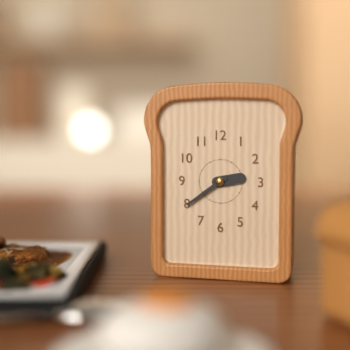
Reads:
h=2 m=39
